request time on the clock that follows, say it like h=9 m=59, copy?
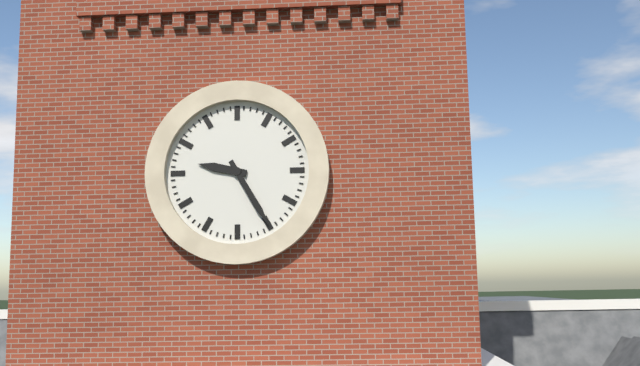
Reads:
h=9 m=25
